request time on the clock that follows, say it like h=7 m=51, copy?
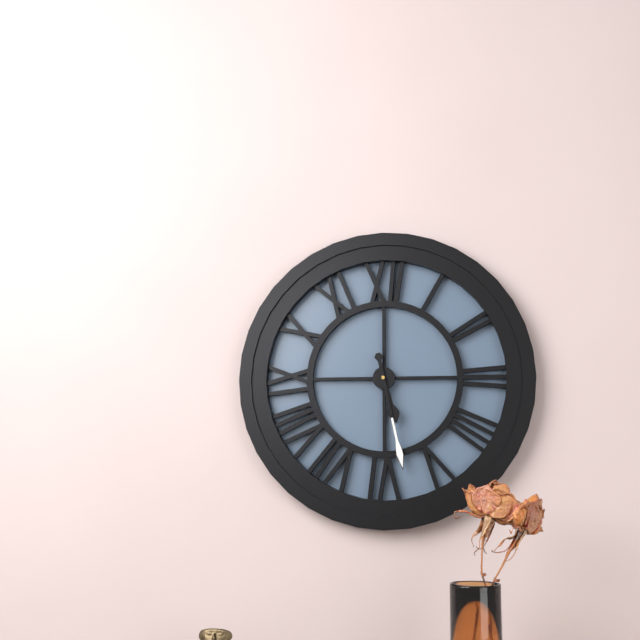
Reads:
h=5 m=28
